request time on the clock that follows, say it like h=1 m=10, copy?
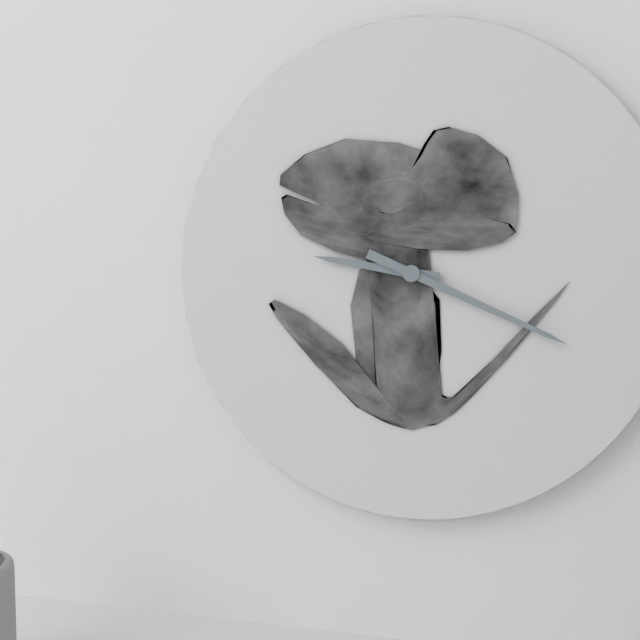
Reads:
h=9 m=19
